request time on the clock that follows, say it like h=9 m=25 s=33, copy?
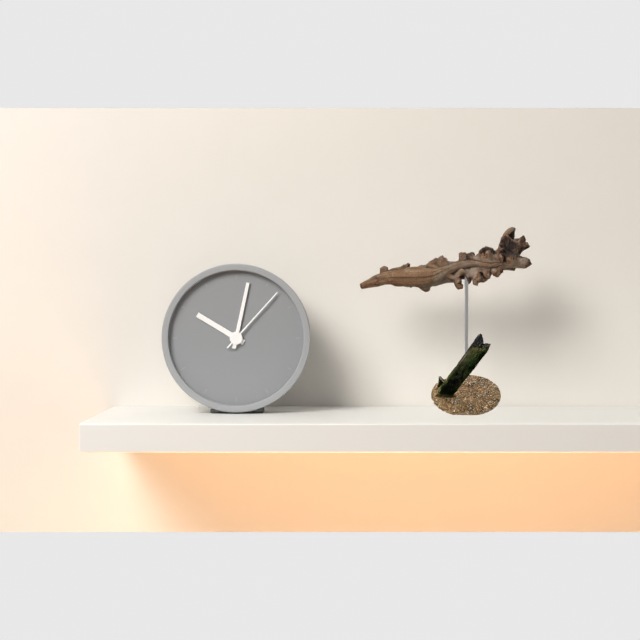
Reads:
h=10 m=2 s=7
